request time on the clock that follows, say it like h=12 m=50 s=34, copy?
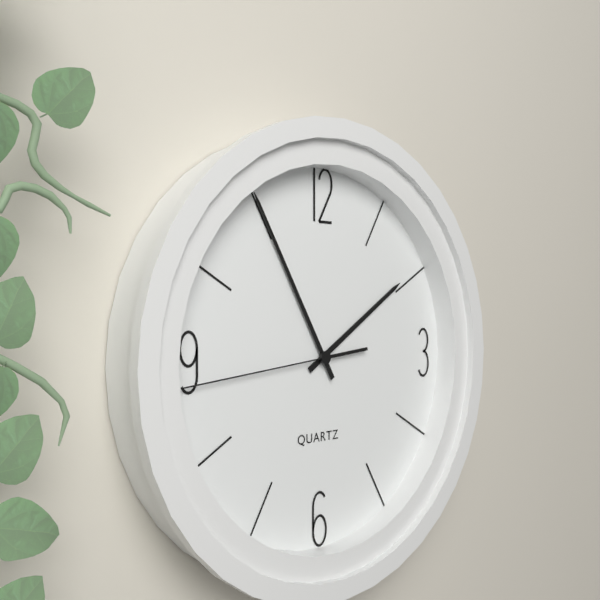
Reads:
h=1 m=55 s=44
